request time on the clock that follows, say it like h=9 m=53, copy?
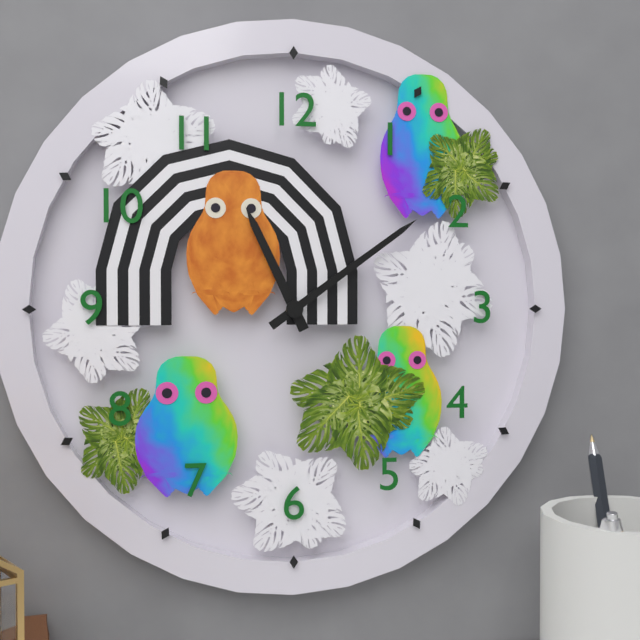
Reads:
h=11 m=9
